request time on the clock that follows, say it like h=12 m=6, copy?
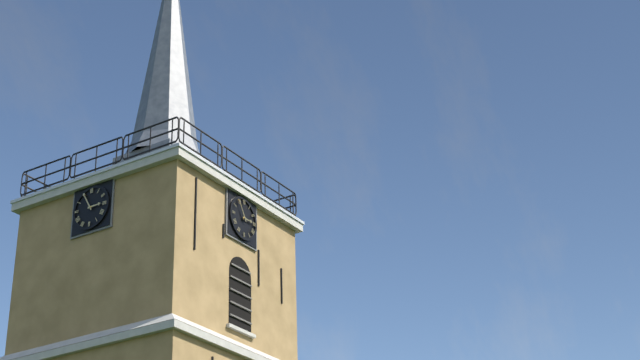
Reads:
h=2 m=55
